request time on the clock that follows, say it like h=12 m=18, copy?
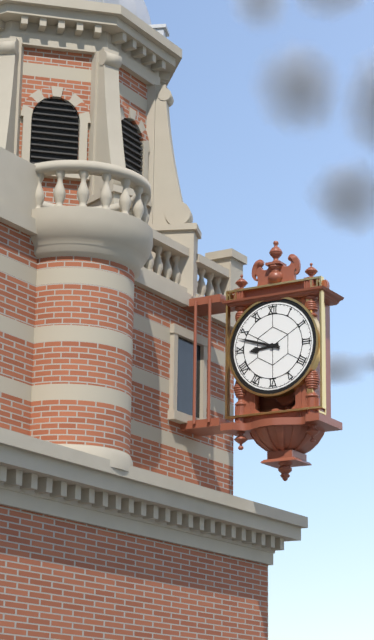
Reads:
h=8 m=48
